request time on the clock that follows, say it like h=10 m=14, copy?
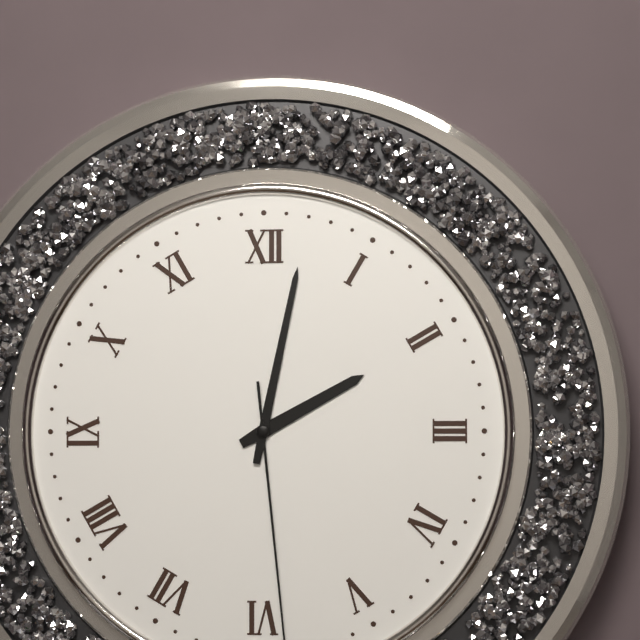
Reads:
h=2 m=2
